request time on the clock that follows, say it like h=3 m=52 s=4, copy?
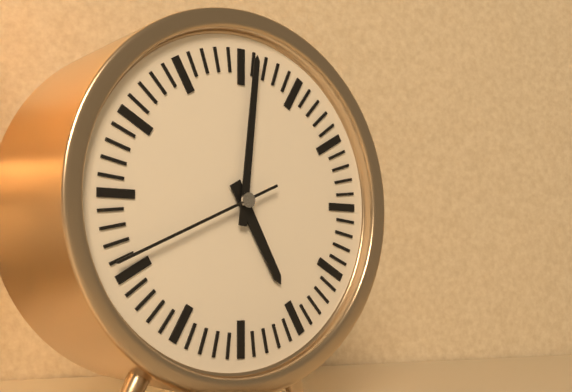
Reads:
h=5 m=1 s=41
